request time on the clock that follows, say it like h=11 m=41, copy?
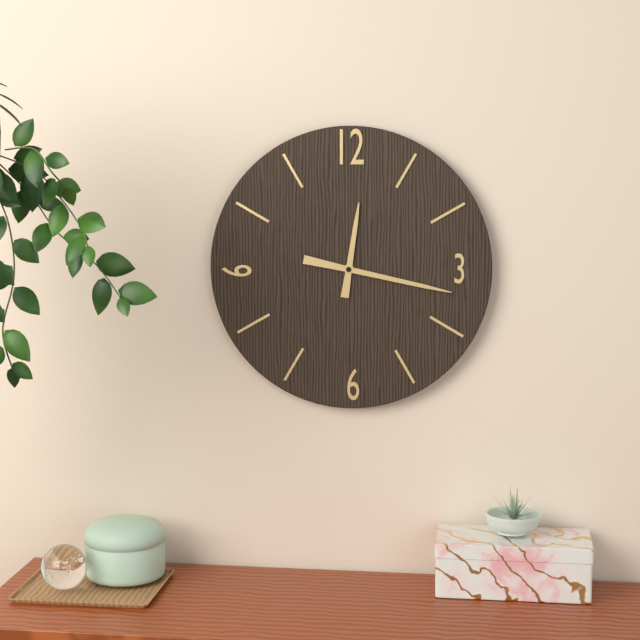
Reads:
h=12 m=17
